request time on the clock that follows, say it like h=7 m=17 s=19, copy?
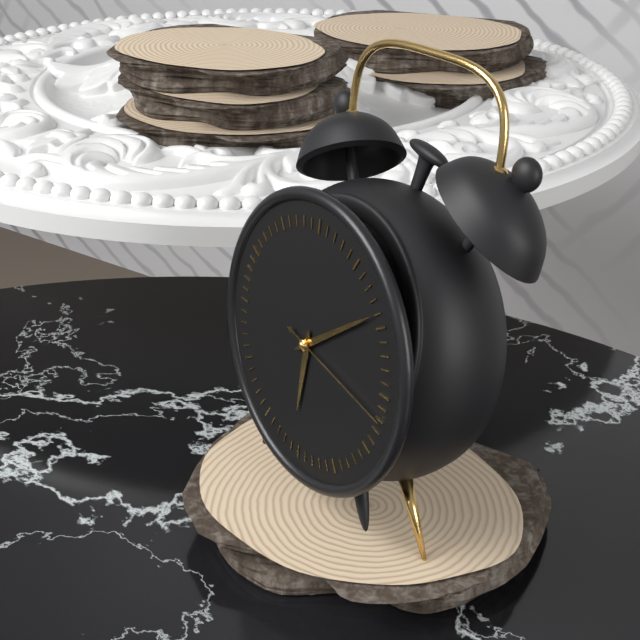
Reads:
h=6 m=9 s=17
